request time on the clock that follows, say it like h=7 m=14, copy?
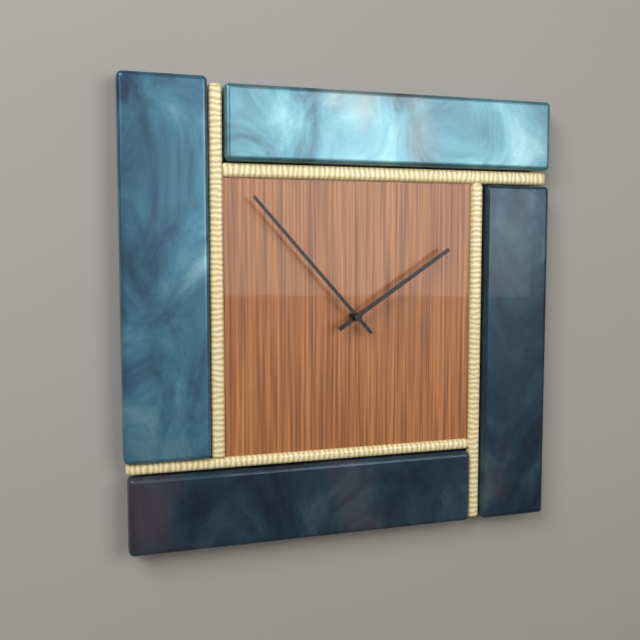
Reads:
h=1 m=53
